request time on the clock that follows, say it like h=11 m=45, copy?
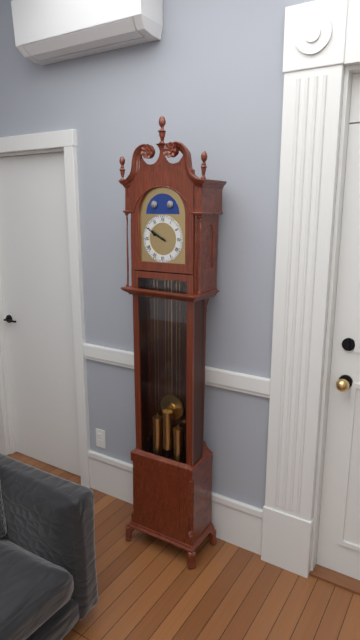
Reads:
h=9 m=50
